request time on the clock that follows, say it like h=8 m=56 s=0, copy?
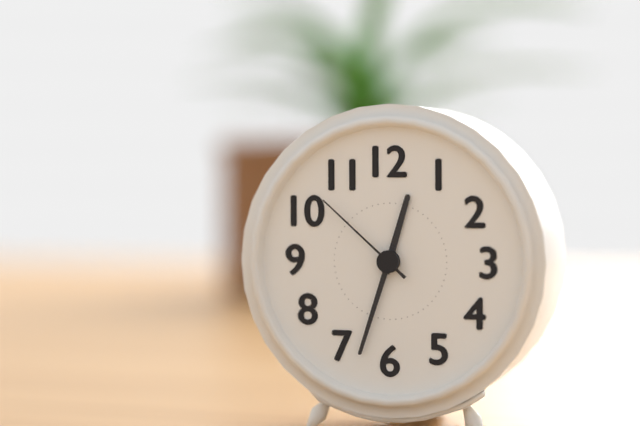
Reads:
h=12 m=33 s=52
